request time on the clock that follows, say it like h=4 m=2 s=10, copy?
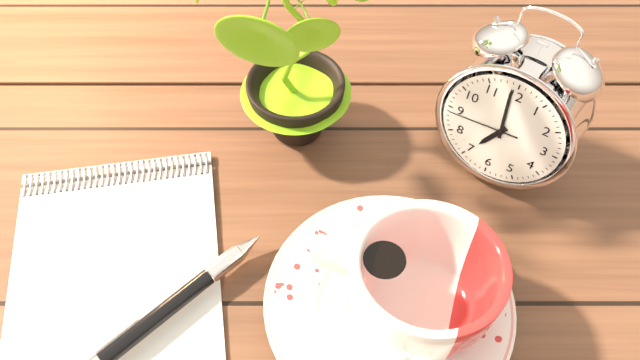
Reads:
h=6 m=59 s=44
